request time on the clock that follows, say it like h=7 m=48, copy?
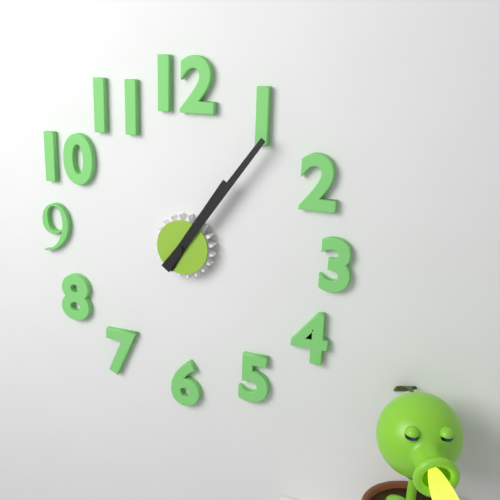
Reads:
h=1 m=6
